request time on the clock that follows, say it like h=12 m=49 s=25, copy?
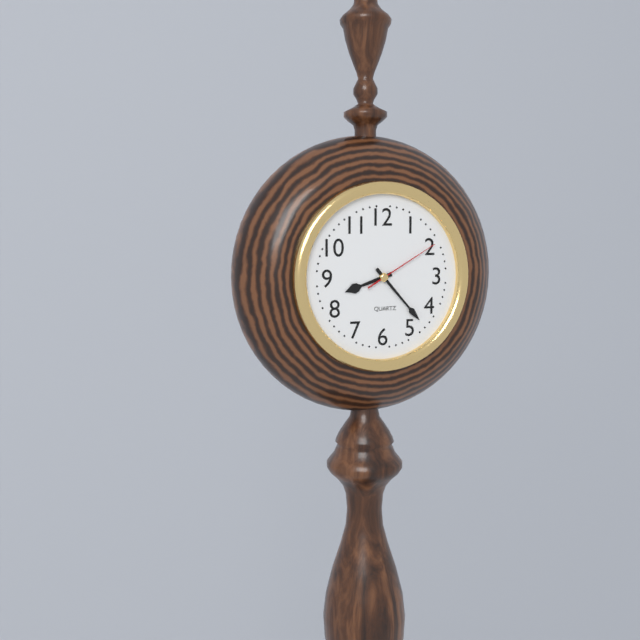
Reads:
h=8 m=23 s=10
